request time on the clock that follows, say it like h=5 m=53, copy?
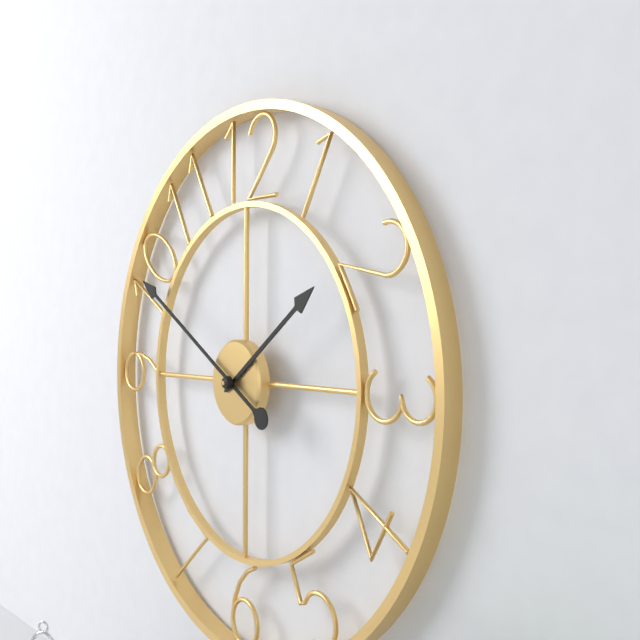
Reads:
h=1 m=50
